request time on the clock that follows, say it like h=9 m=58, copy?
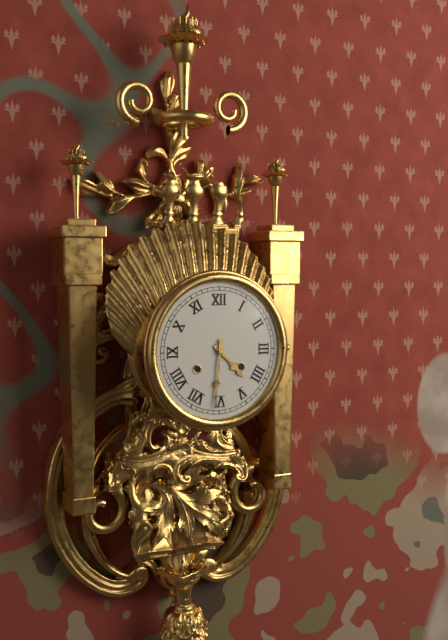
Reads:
h=4 m=31
